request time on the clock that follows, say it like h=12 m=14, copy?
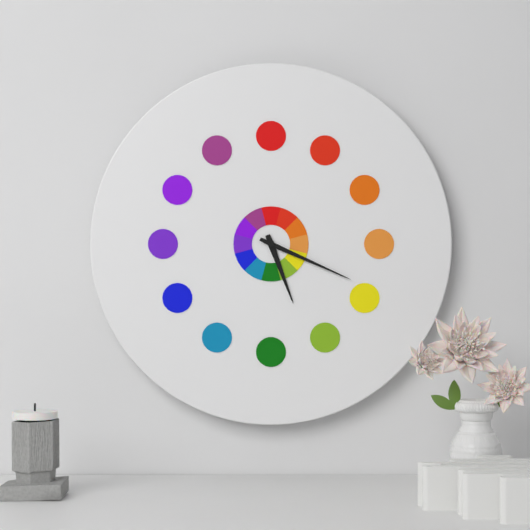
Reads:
h=5 m=19
